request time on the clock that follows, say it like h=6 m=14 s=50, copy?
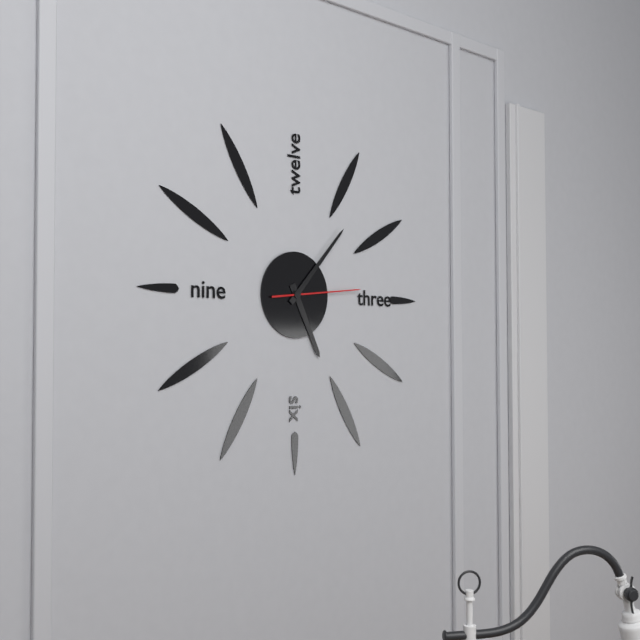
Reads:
h=5 m=7 s=14
